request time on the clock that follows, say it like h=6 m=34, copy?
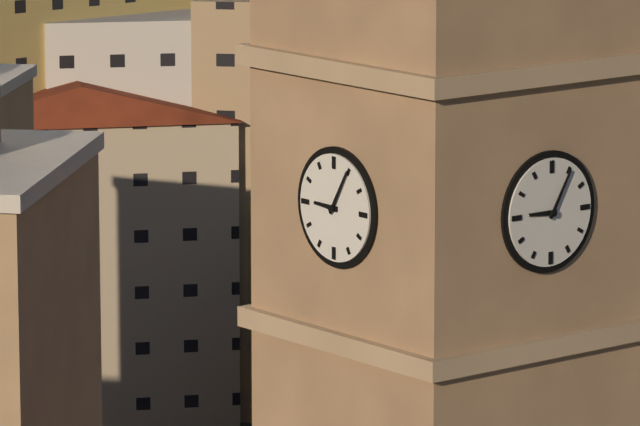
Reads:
h=9 m=5
